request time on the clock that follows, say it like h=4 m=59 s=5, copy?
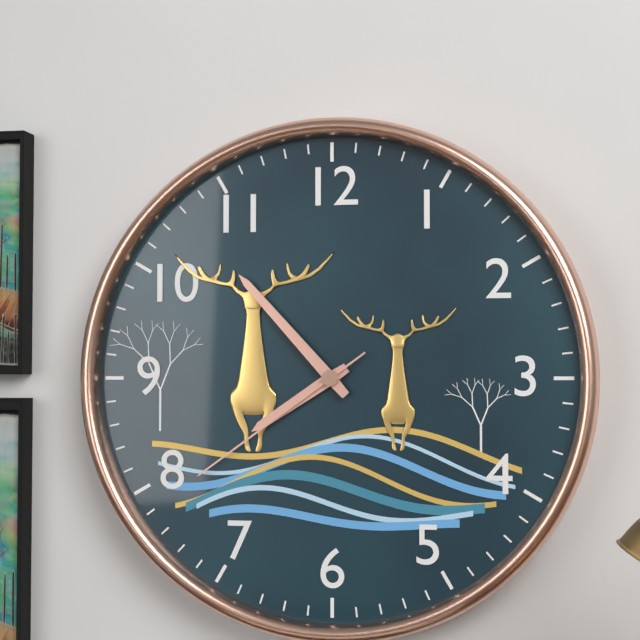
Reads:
h=7 m=53 s=39
